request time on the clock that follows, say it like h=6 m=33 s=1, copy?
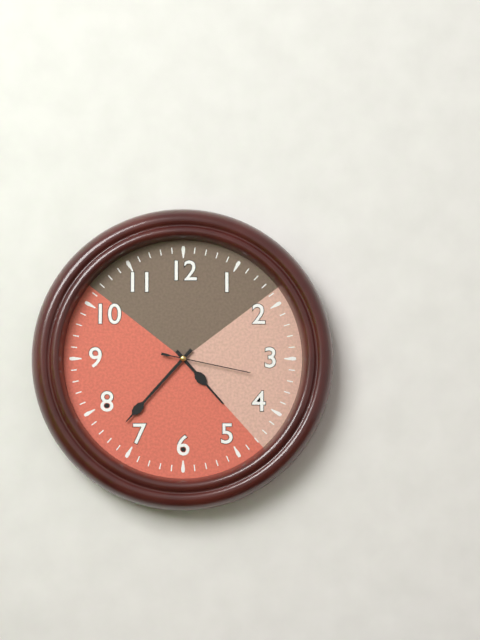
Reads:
h=4 m=37 s=17
